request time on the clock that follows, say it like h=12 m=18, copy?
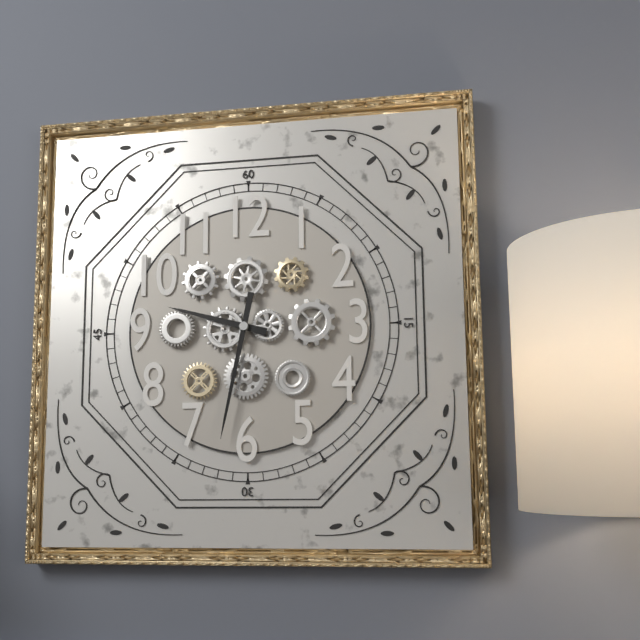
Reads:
h=9 m=32
